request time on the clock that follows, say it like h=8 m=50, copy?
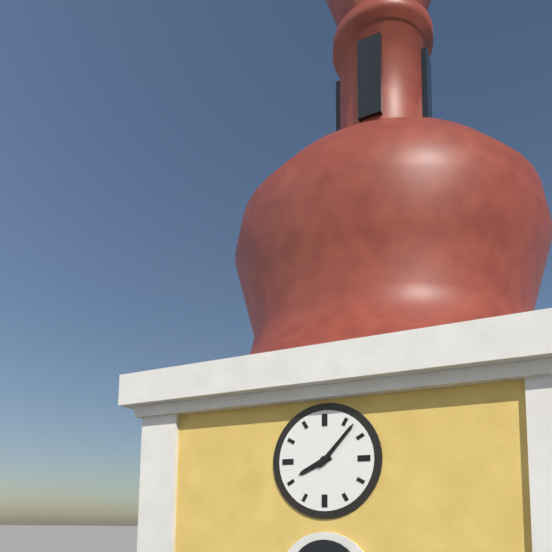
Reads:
h=8 m=7
